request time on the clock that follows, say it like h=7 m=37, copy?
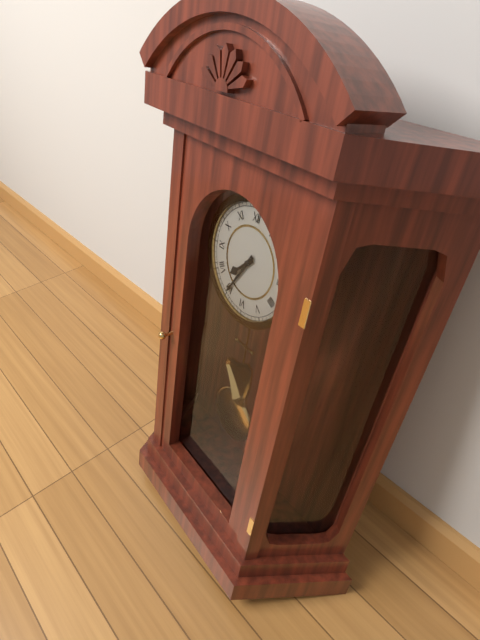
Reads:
h=7 m=35
